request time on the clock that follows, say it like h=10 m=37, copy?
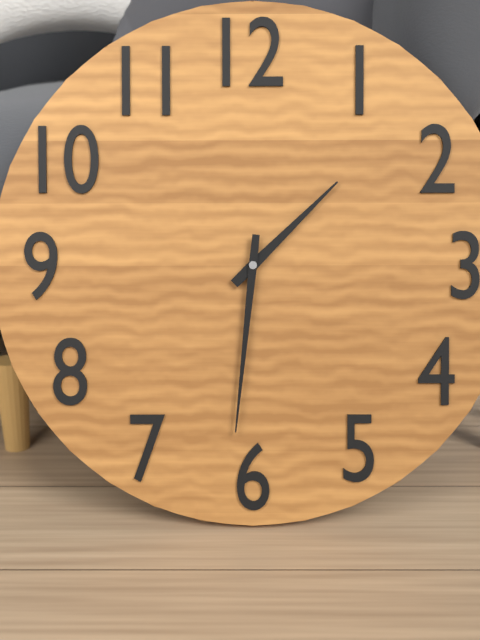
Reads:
h=1 m=31
